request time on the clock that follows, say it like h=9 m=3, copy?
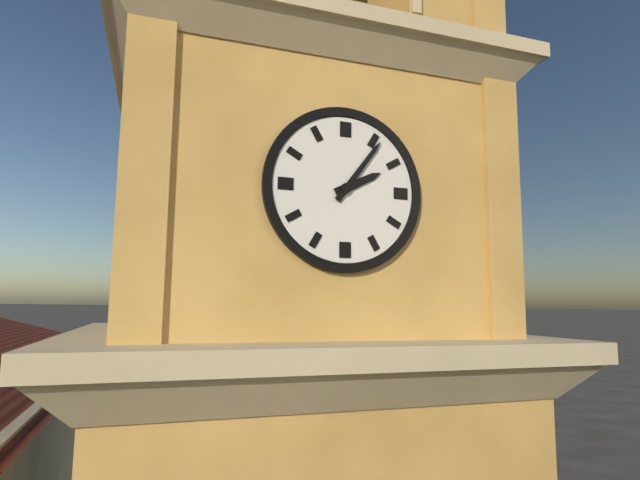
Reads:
h=2 m=6
